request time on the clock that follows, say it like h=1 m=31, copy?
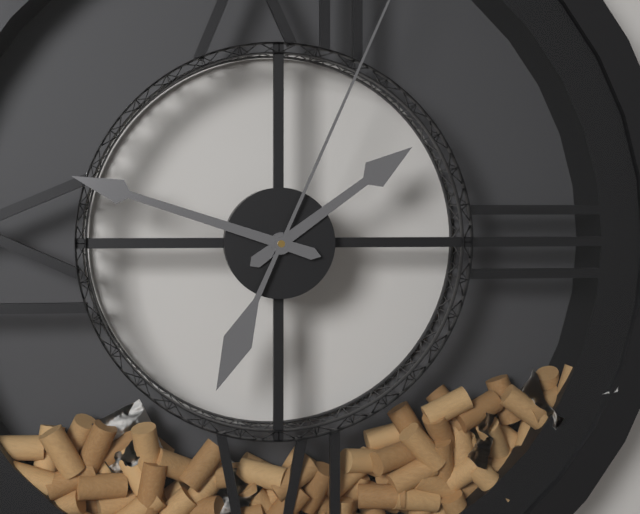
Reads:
h=1 m=48
